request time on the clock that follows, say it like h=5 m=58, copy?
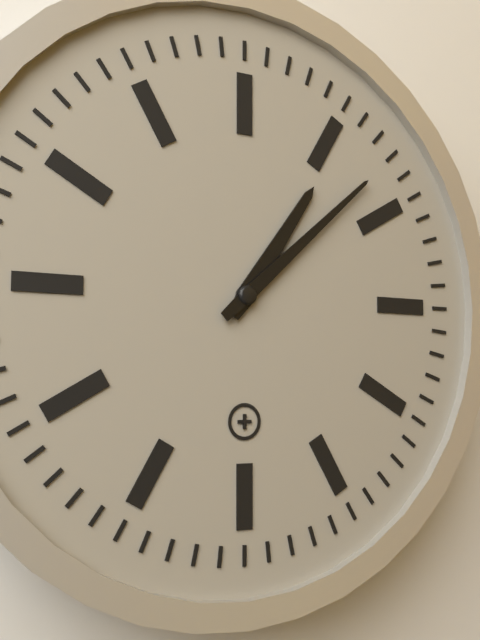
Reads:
h=1 m=8
